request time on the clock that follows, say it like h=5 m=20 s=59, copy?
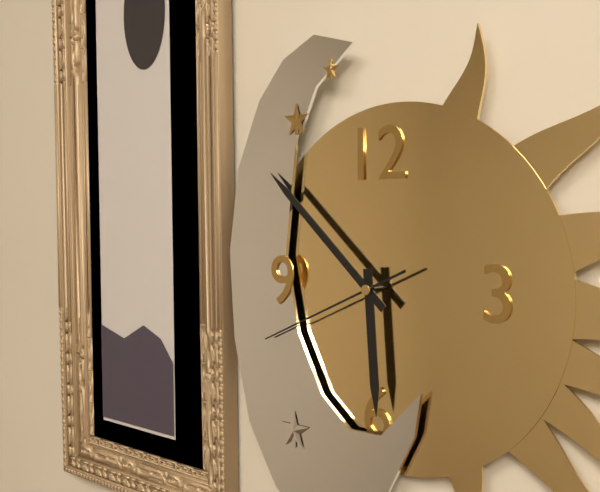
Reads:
h=5 m=52 s=41
